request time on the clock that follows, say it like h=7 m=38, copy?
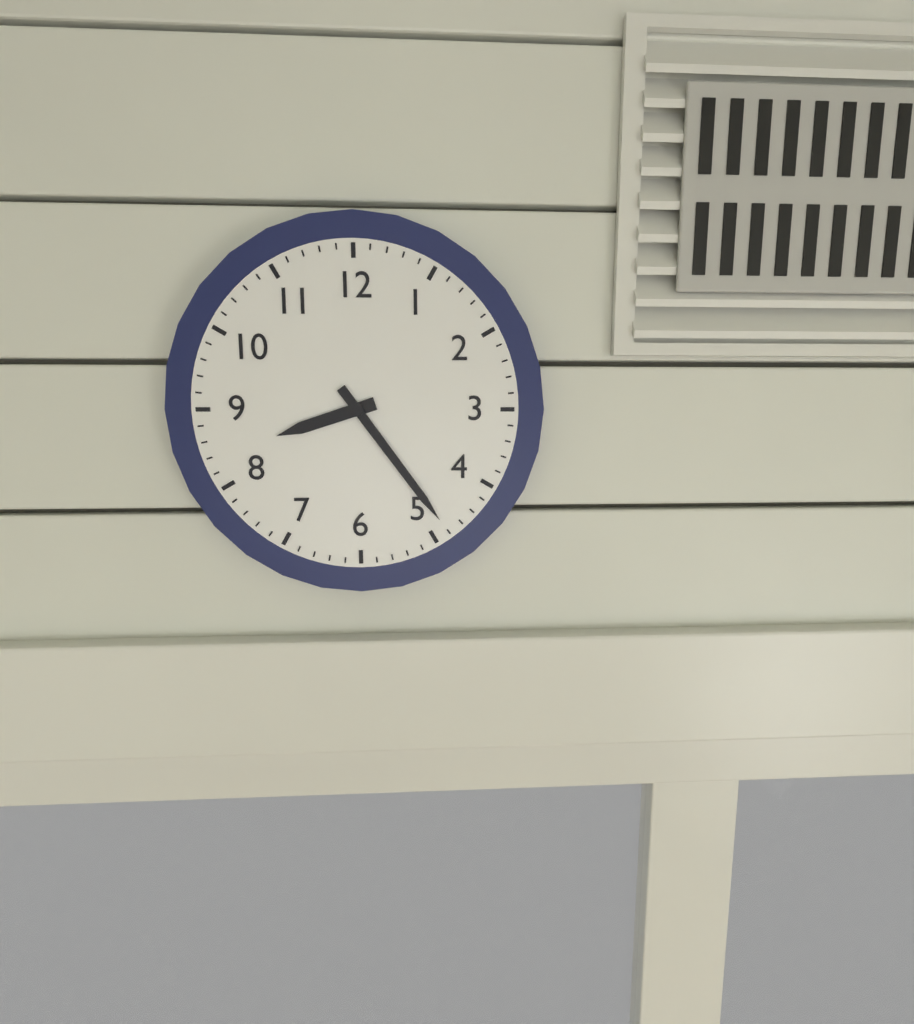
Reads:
h=8 m=24
